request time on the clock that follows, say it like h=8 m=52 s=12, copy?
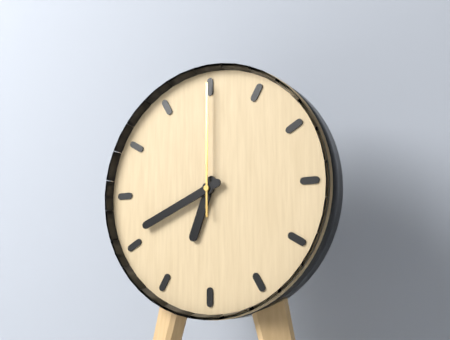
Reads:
h=6 m=41 s=0
